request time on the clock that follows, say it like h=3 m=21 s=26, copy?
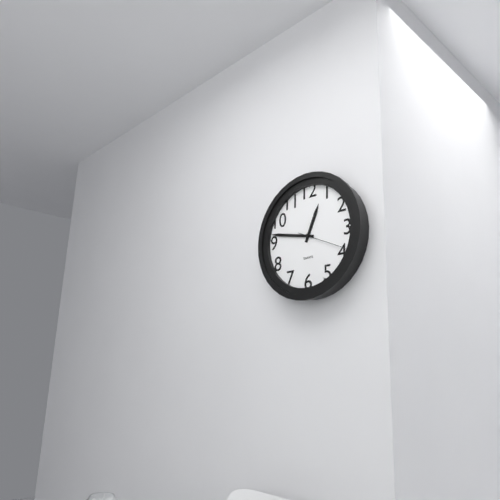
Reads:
h=12 m=47 s=19
